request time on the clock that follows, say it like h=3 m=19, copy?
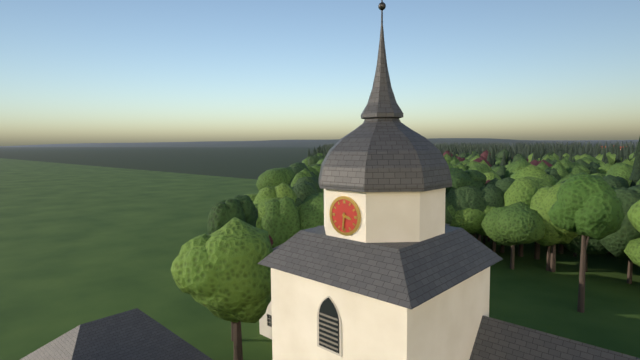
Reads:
h=3 m=31
